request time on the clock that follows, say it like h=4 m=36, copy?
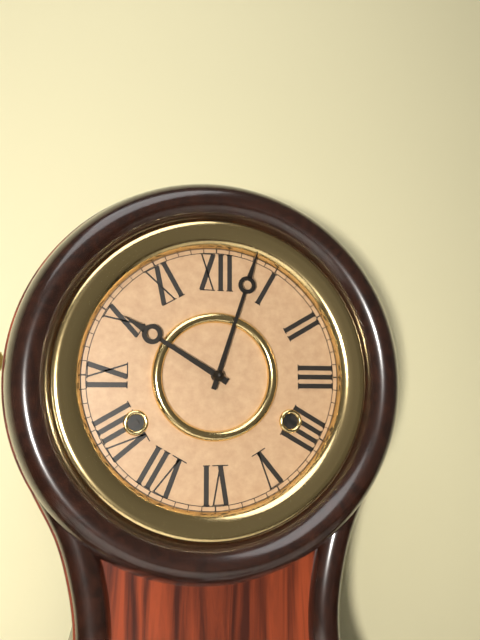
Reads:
h=10 m=3
